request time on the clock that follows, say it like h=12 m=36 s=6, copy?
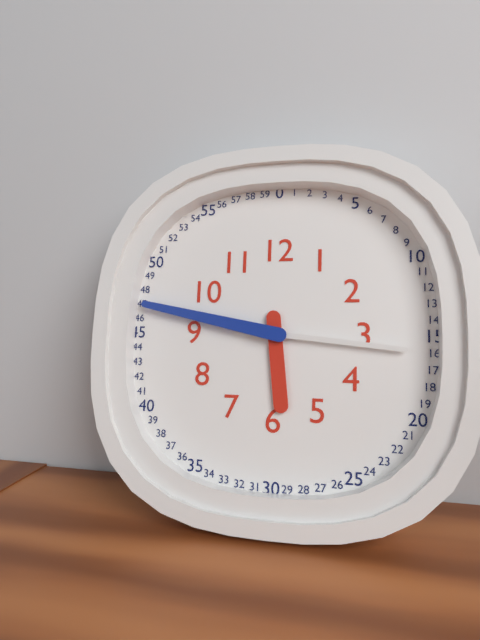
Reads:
h=5 m=47 s=16
